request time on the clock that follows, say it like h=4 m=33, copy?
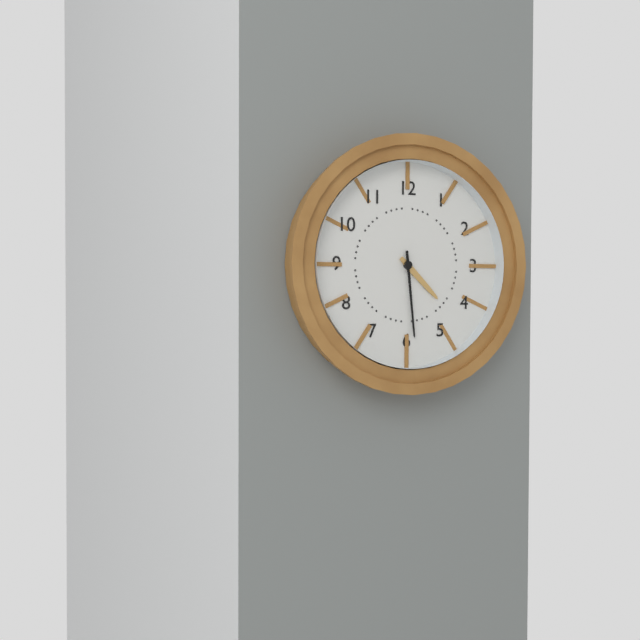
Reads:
h=4 m=29
